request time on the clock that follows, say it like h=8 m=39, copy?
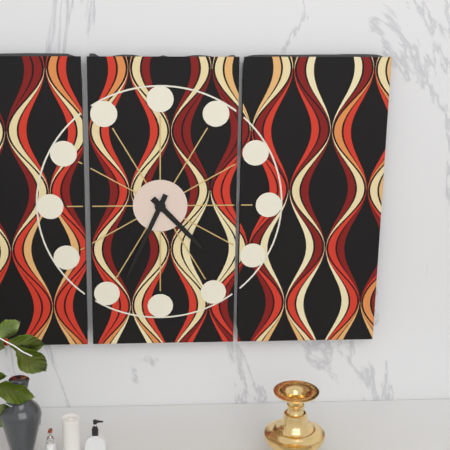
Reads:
h=4 m=34
